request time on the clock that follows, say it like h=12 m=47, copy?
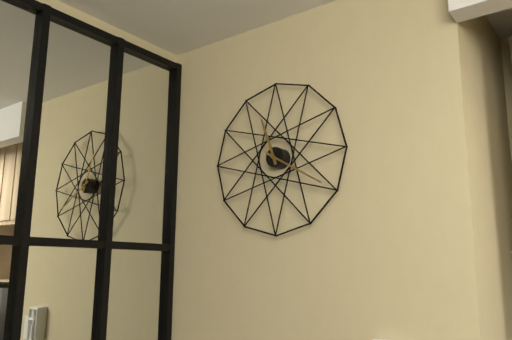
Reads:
h=11 m=20
